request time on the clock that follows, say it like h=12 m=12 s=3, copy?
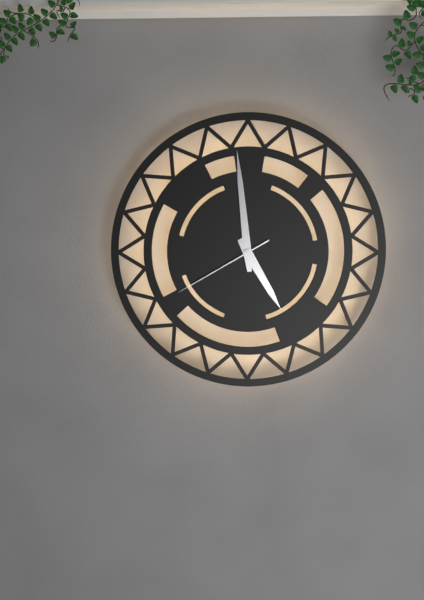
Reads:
h=4 m=59 s=40
